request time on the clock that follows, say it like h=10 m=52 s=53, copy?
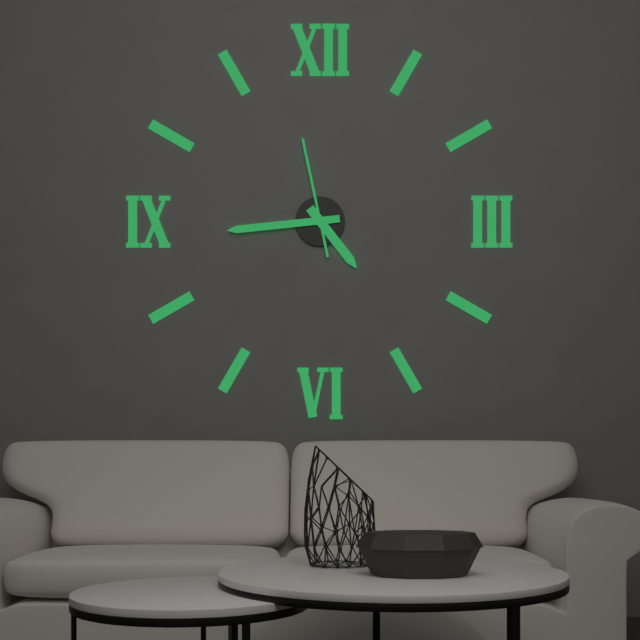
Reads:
h=4 m=44 s=58
